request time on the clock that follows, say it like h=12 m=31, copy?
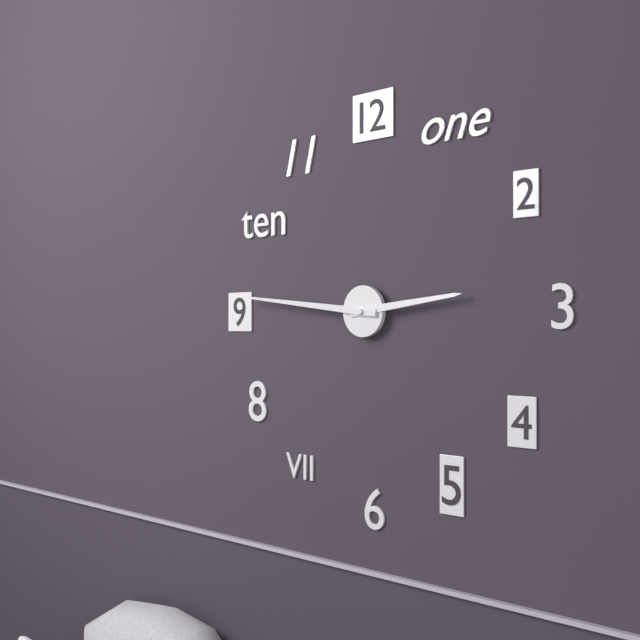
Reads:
h=2 m=46
